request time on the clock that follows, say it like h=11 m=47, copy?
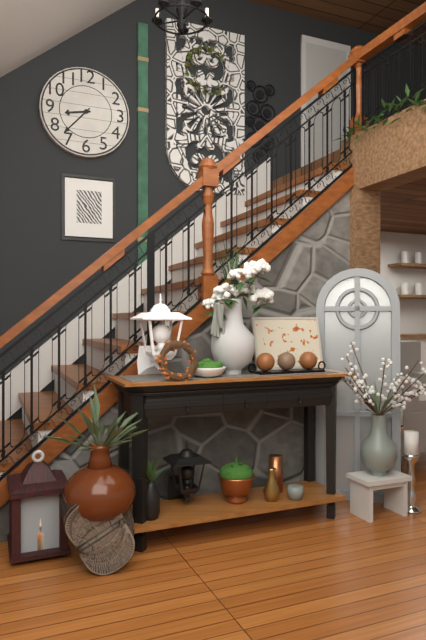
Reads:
h=8 m=37
